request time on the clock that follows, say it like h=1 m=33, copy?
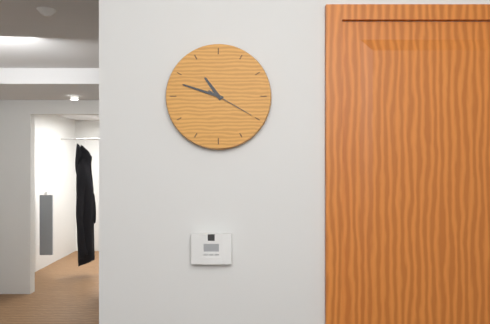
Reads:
h=10 m=48
